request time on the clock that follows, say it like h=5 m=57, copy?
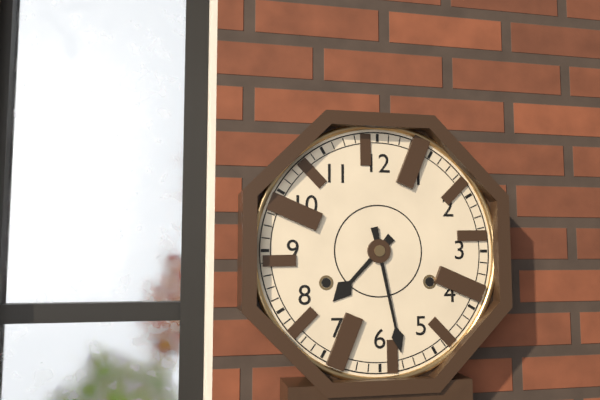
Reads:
h=7 m=28
